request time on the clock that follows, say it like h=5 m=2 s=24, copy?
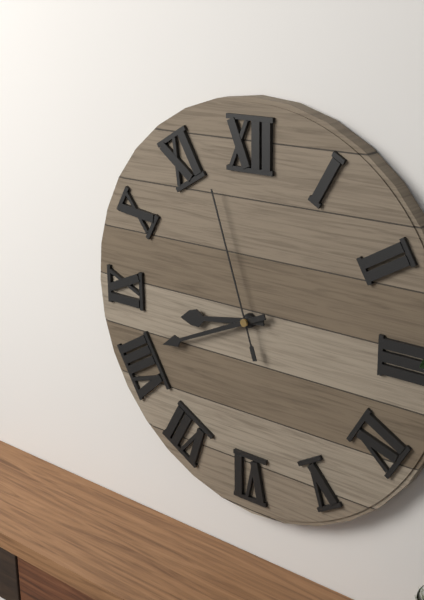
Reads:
h=8 m=41 s=57
